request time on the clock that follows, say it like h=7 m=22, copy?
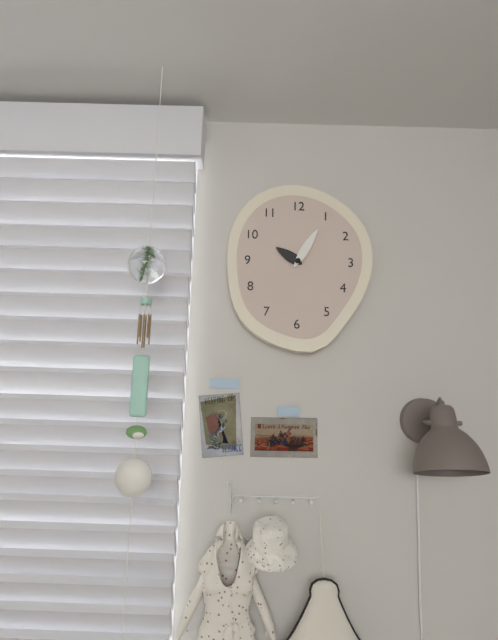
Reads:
h=10 m=5
